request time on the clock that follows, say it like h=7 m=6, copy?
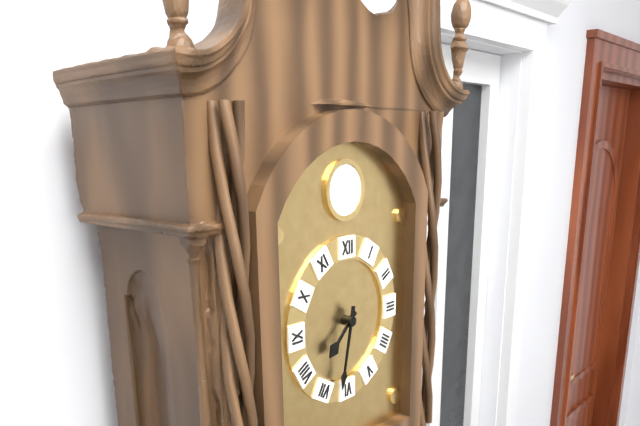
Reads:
h=7 m=32
